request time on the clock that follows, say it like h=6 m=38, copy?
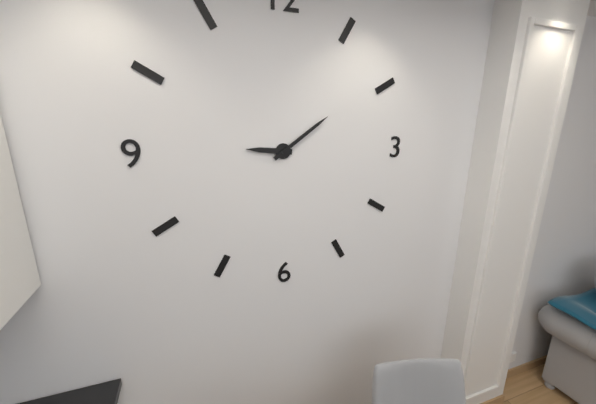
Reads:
h=9 m=9
